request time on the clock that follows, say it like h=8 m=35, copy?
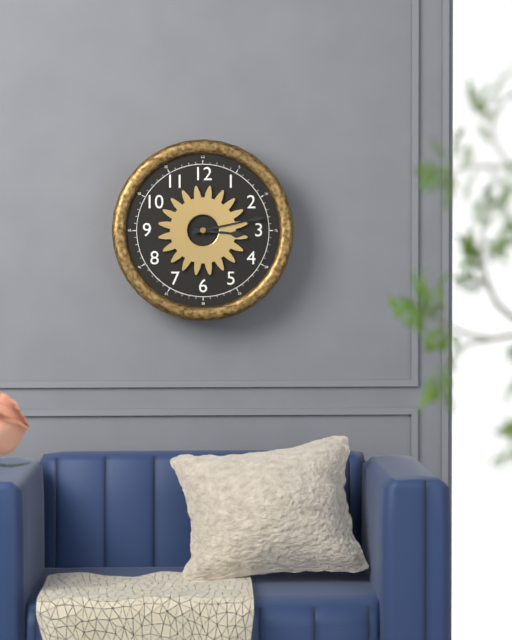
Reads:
h=3 m=13
